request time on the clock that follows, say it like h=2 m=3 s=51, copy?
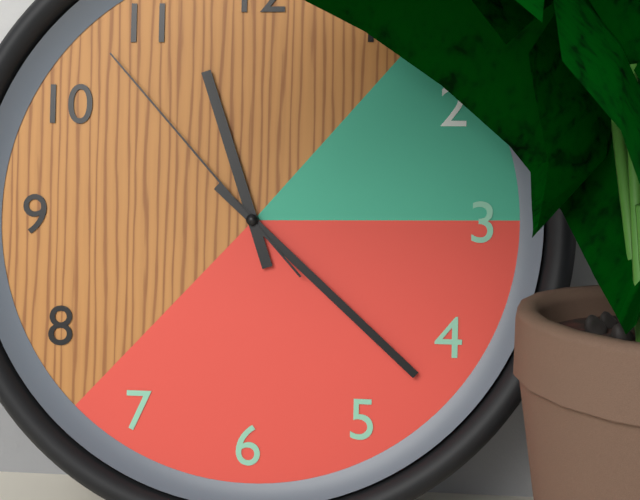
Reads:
h=11 m=22 s=53
